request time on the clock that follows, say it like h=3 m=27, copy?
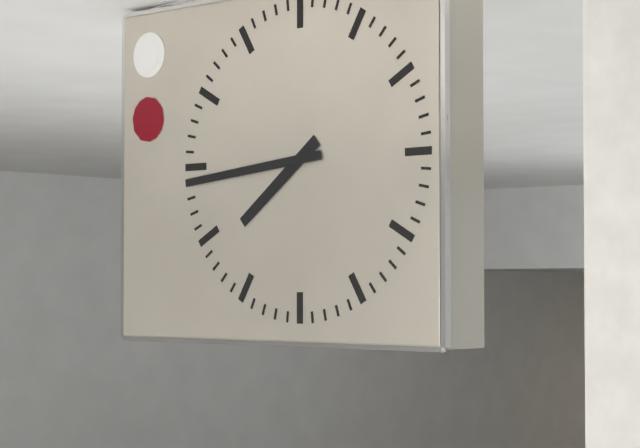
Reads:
h=7 m=44
